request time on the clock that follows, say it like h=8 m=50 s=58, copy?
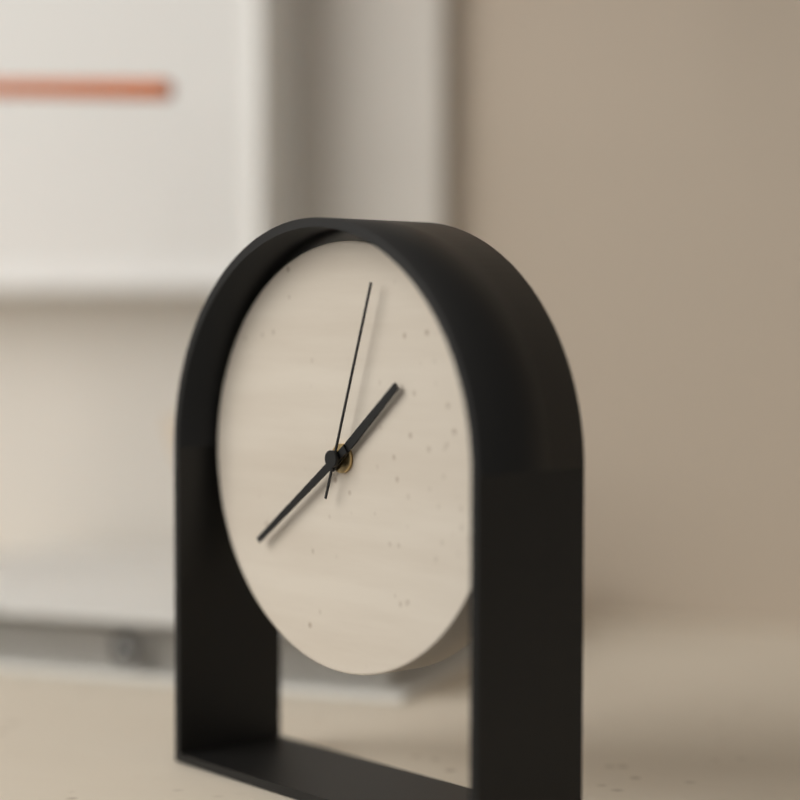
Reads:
h=1 m=39 s=3
